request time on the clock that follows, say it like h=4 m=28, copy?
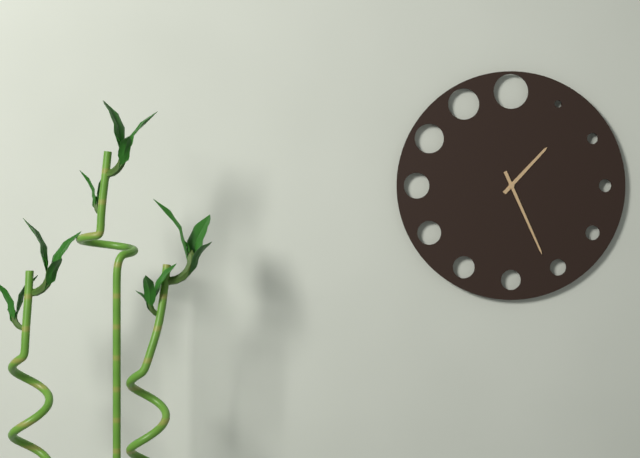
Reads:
h=1 m=26
